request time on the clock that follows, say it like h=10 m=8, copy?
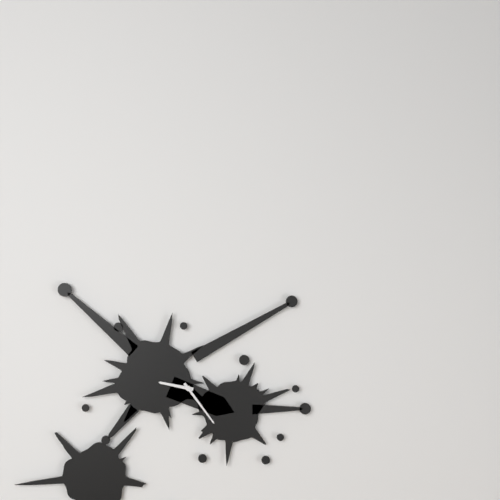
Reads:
h=9 m=24
